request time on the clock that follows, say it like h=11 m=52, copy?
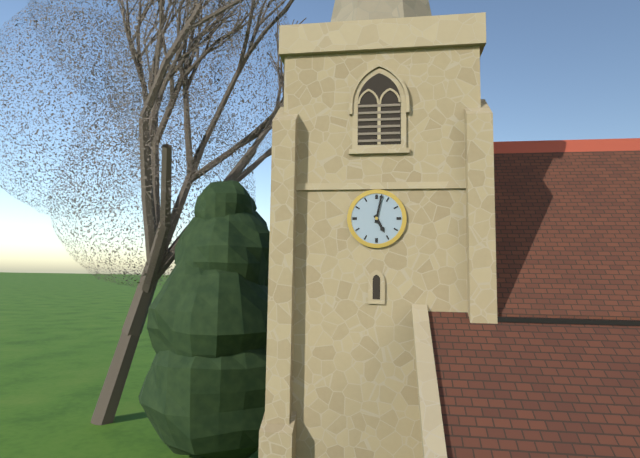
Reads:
h=5 m=2
